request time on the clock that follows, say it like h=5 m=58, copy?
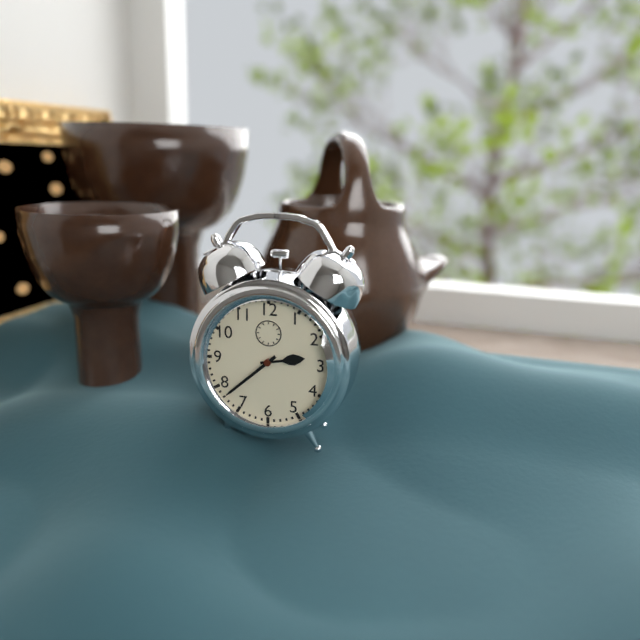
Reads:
h=2 m=38
